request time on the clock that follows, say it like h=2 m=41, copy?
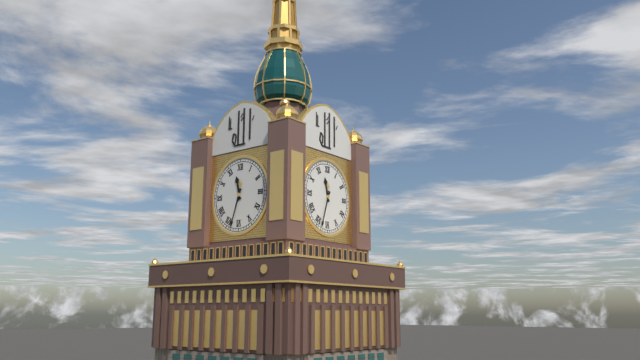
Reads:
h=11 m=33
